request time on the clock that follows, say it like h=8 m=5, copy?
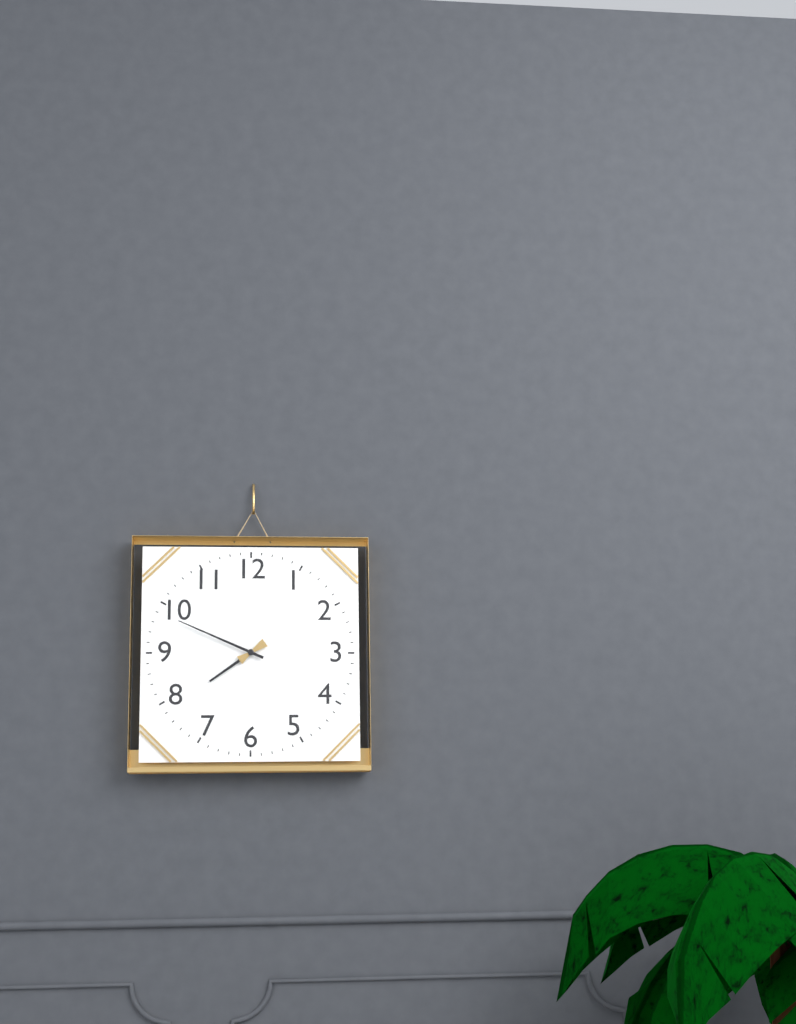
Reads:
h=7 m=49
